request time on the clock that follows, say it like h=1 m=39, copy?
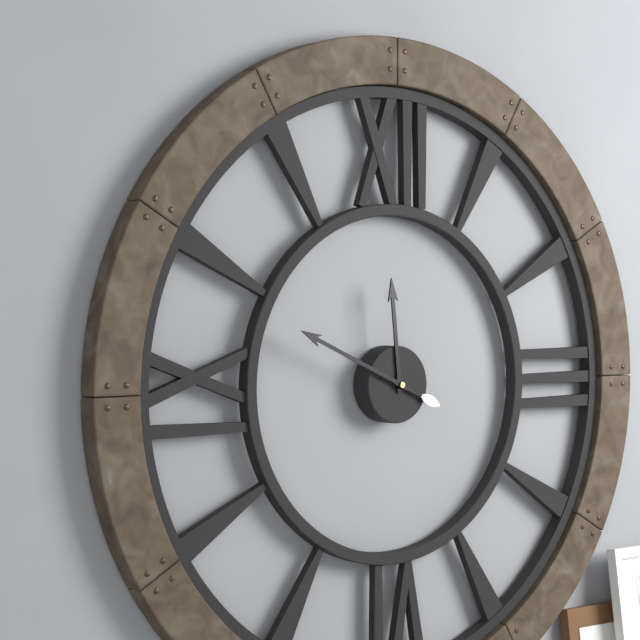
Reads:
h=11 m=49
